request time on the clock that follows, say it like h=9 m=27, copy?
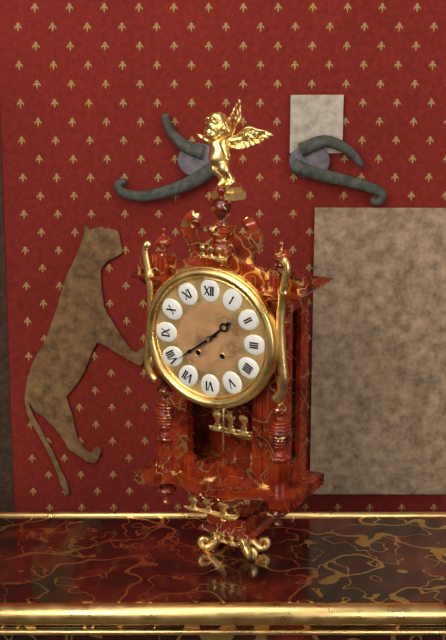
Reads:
h=1 m=39
